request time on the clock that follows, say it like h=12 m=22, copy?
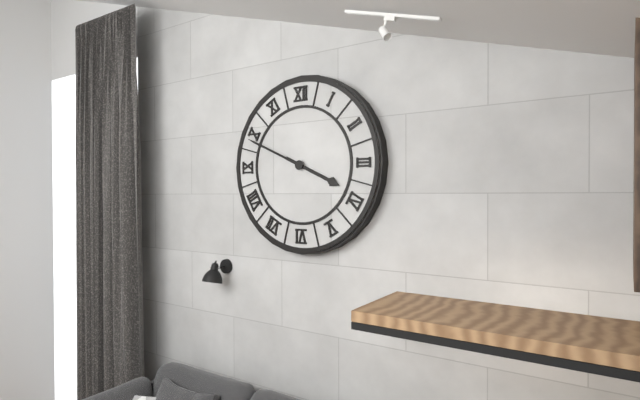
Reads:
h=3 m=49
